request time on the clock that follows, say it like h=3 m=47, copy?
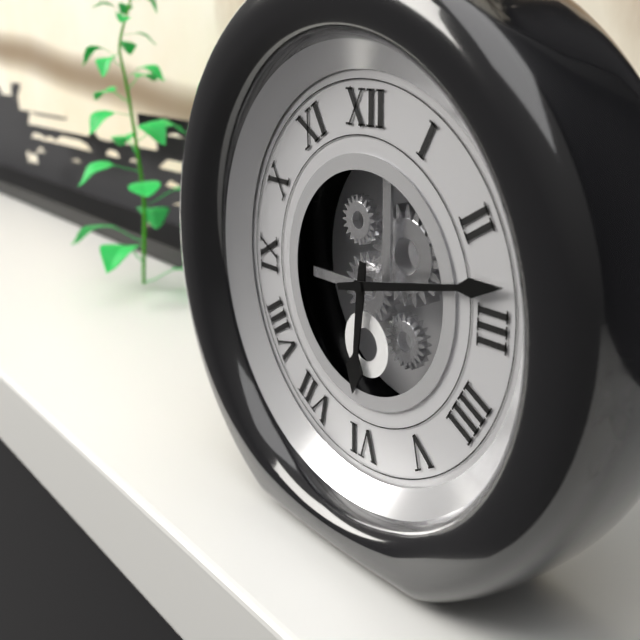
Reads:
h=6 m=13
